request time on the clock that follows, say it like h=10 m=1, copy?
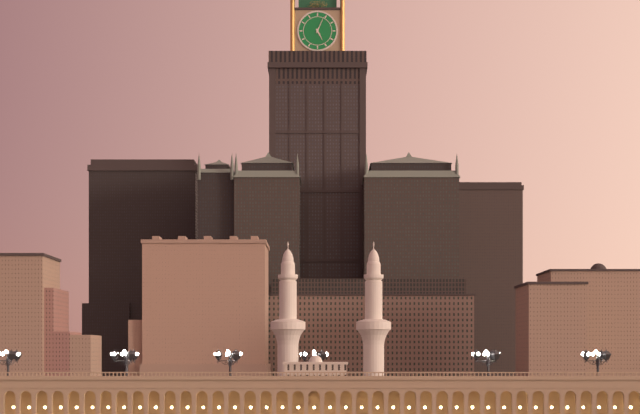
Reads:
h=5 m=4
